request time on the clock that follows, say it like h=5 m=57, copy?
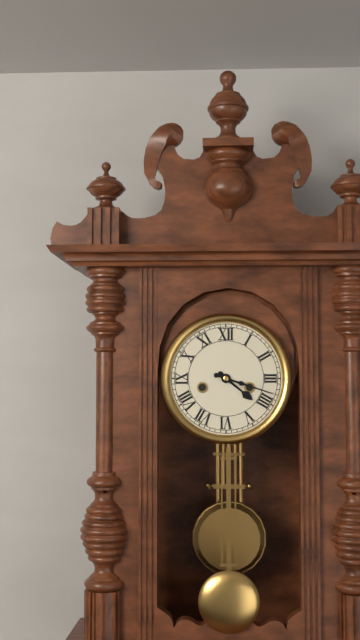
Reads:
h=4 m=18
